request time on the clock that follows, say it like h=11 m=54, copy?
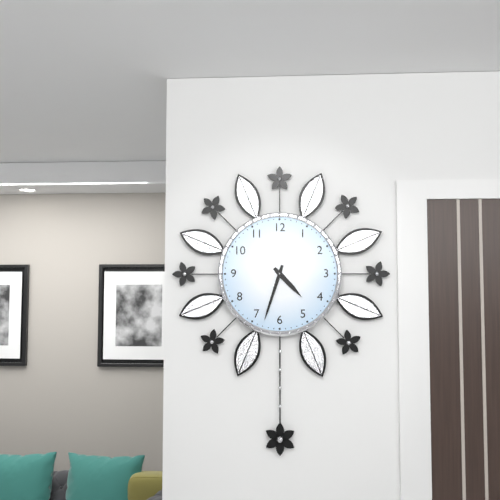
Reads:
h=4 m=33
